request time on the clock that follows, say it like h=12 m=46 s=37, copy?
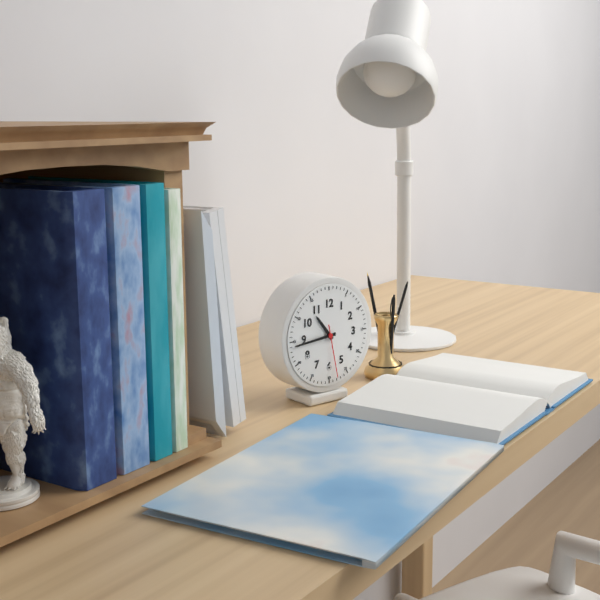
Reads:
h=10 m=44 s=28
